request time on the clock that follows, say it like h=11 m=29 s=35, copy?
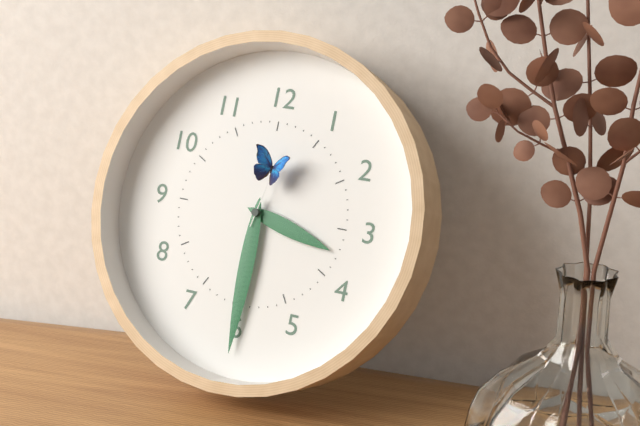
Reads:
h=3 m=30 s=2
